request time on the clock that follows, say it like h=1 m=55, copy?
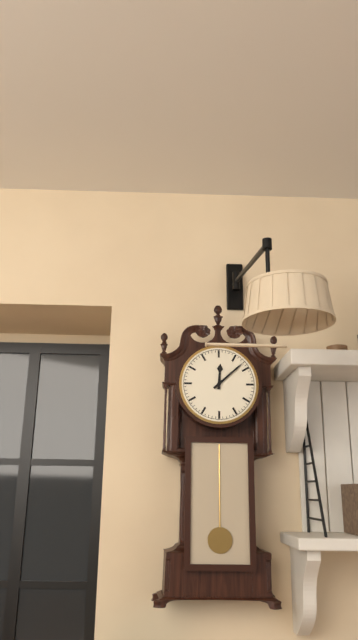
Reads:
h=12 m=8
